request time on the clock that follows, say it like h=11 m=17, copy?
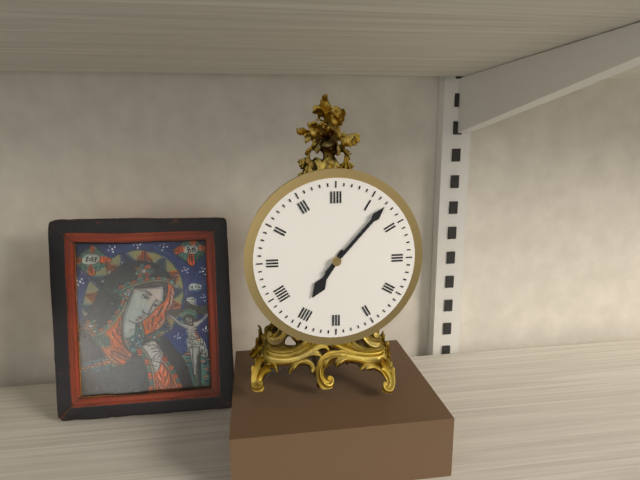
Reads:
h=7 m=7
